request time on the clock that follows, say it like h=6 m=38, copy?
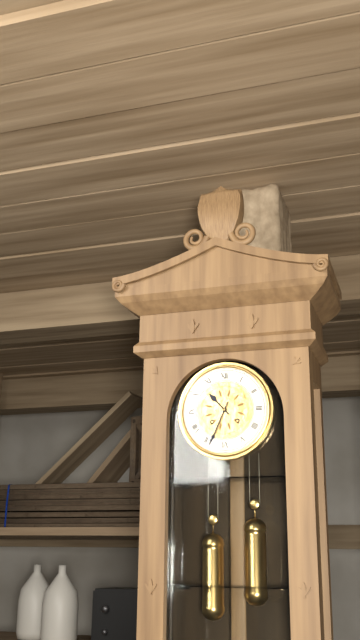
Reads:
h=10 m=34
